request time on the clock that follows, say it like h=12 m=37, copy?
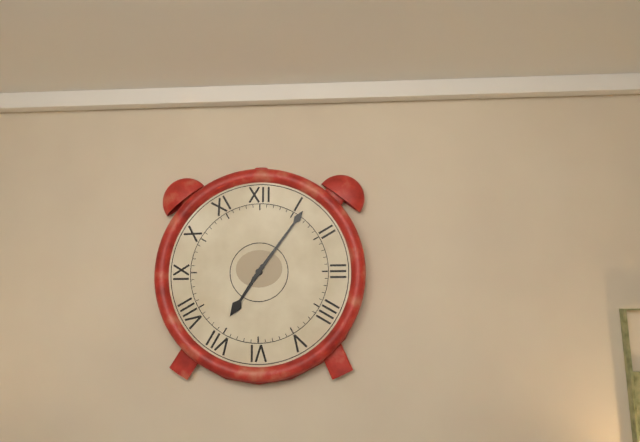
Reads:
h=7 m=6
